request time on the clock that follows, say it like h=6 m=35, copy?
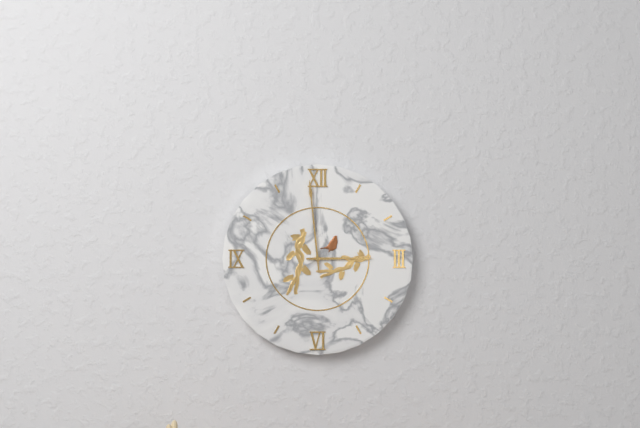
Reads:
h=2 m=59
